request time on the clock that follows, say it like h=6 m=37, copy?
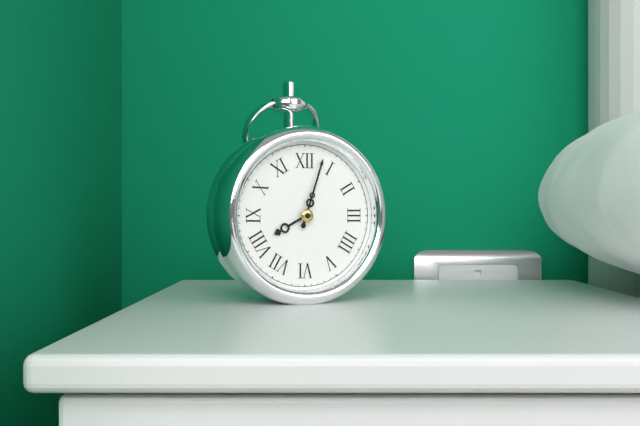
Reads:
h=8 m=3
